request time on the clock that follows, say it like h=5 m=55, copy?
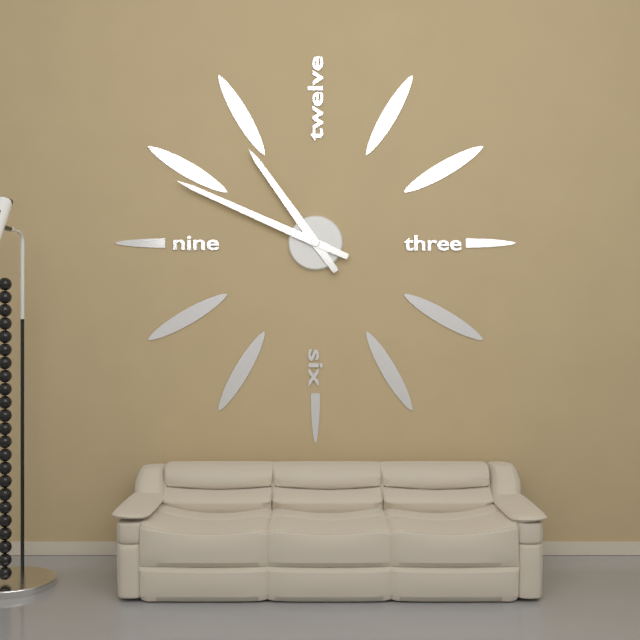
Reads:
h=10 m=49
